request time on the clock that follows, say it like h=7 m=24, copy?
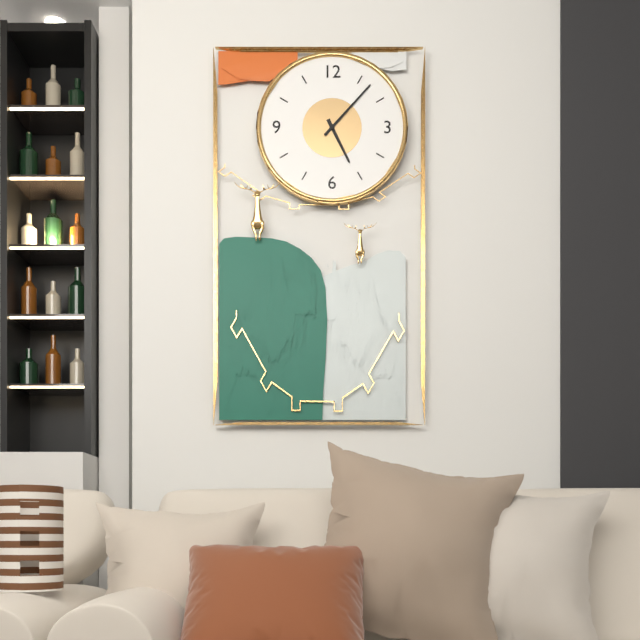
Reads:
h=5 m=7
